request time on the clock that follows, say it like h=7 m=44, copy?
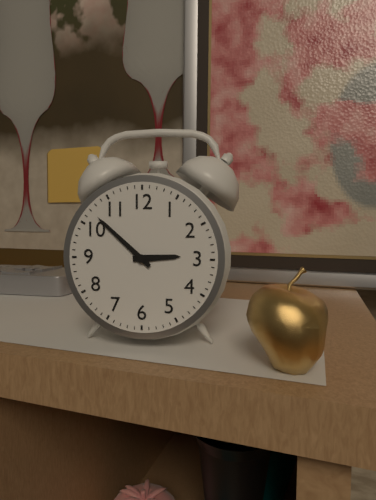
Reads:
h=2 m=52
